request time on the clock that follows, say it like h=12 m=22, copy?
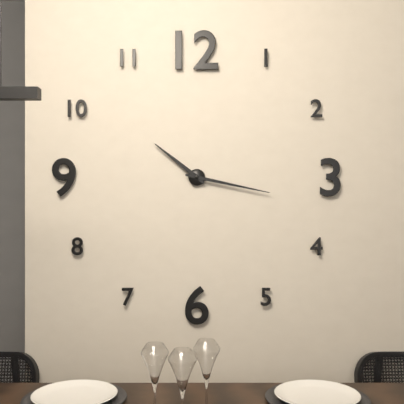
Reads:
h=10 m=17
